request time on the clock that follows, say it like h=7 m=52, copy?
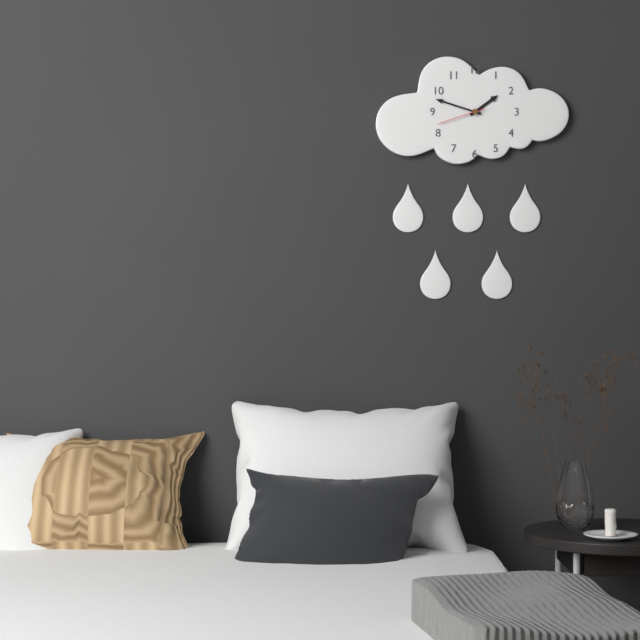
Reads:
h=1 m=48
